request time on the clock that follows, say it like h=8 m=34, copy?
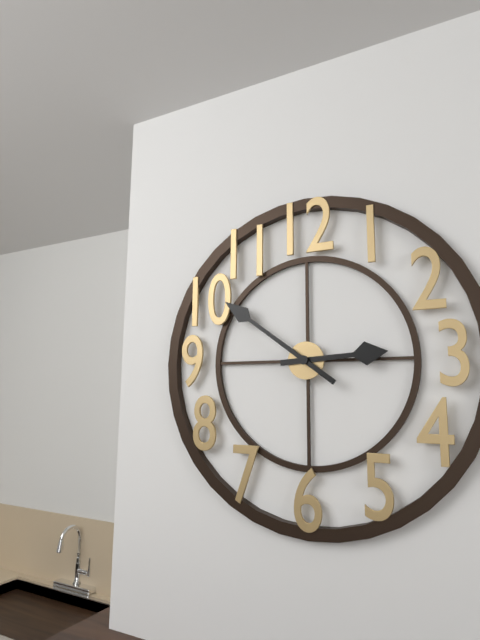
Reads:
h=2 m=51
